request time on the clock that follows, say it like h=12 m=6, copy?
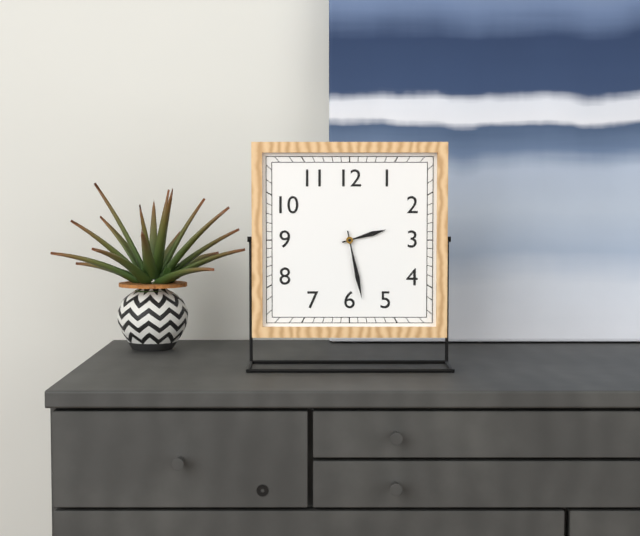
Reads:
h=2 m=28
